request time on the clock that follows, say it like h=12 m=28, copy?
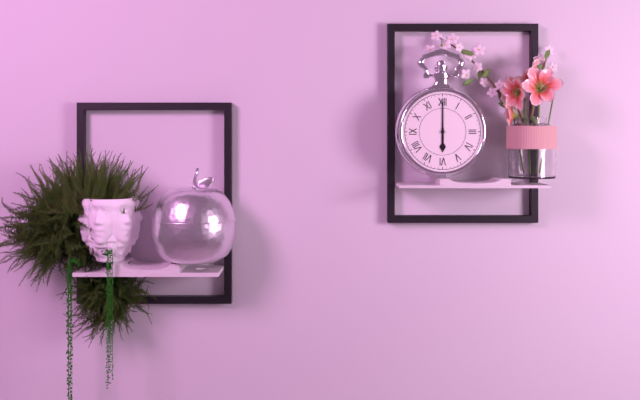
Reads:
h=6 m=0
